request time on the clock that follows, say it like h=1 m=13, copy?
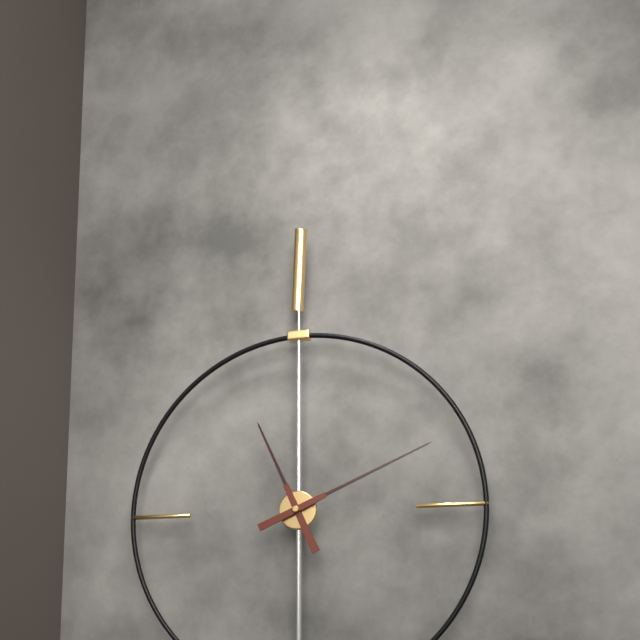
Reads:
h=11 m=11
